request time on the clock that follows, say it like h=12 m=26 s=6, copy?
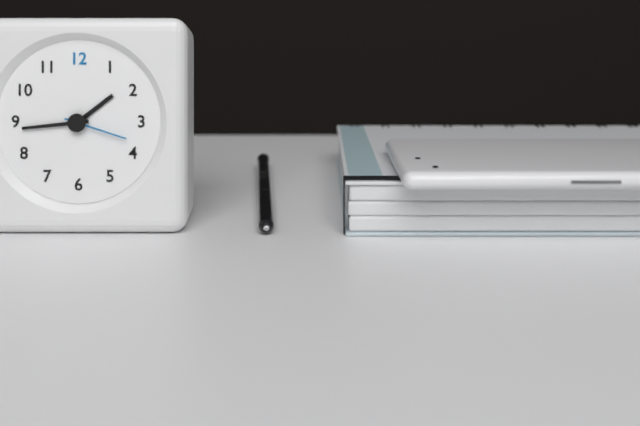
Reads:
h=1 m=44 s=18
